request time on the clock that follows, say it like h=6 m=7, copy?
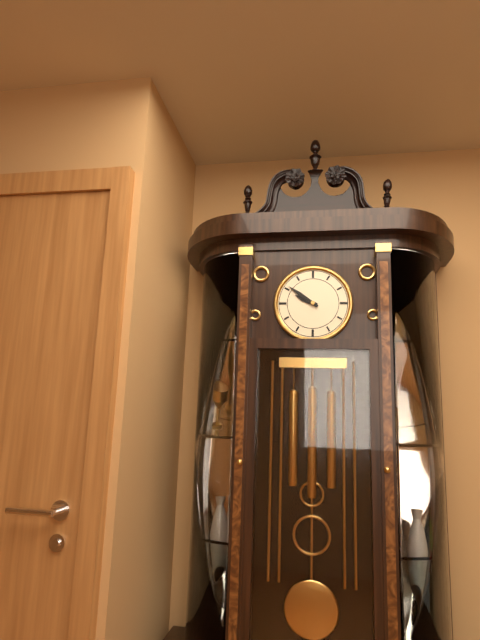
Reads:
h=9 m=51
